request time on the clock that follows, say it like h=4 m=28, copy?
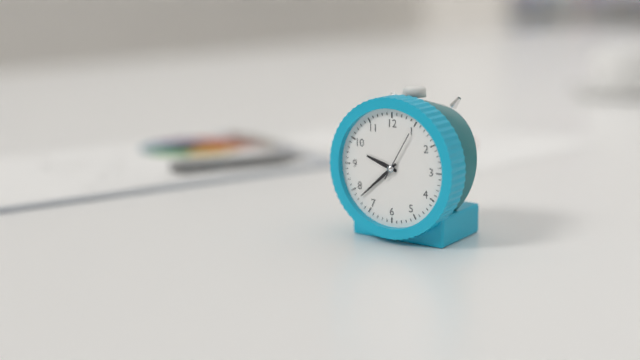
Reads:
h=9 m=38
